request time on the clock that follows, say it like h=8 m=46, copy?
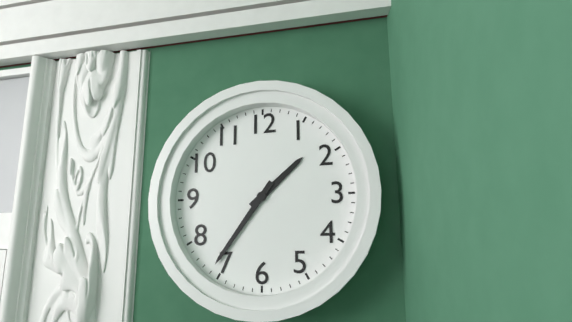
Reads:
h=1 m=36
